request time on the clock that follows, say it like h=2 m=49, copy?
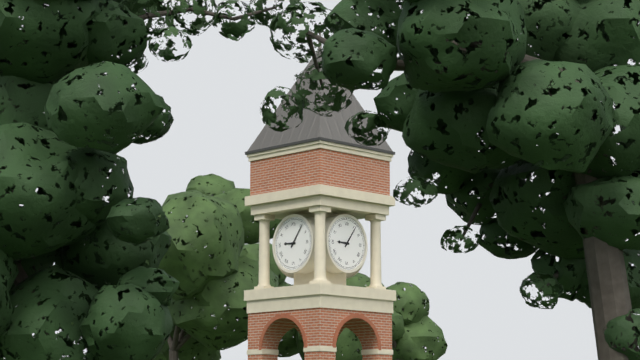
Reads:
h=9 m=6
